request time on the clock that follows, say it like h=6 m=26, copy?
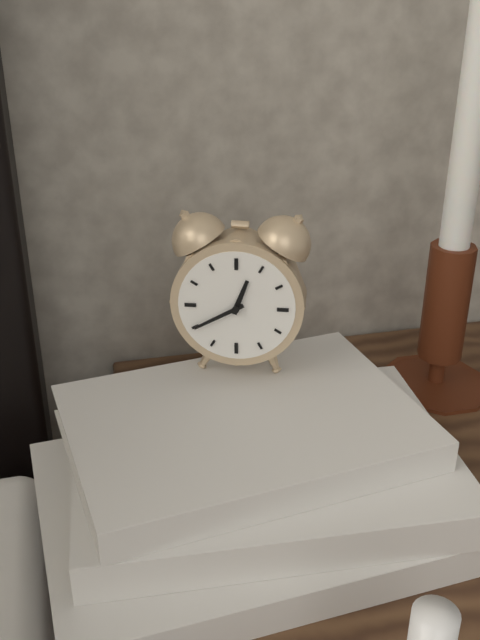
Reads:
h=12 m=40
